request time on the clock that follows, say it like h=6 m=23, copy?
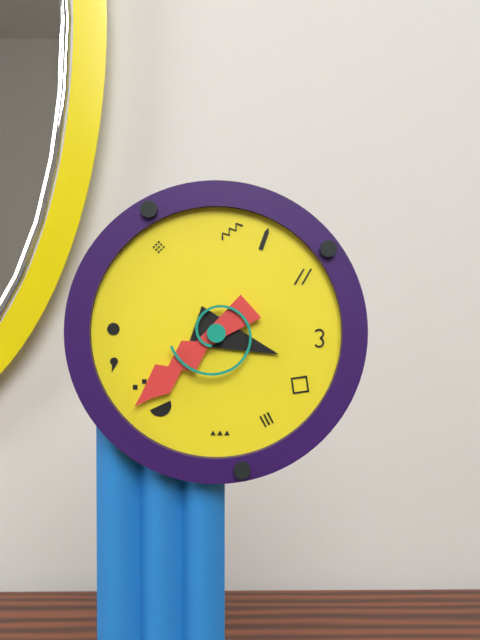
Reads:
h=3 m=38
